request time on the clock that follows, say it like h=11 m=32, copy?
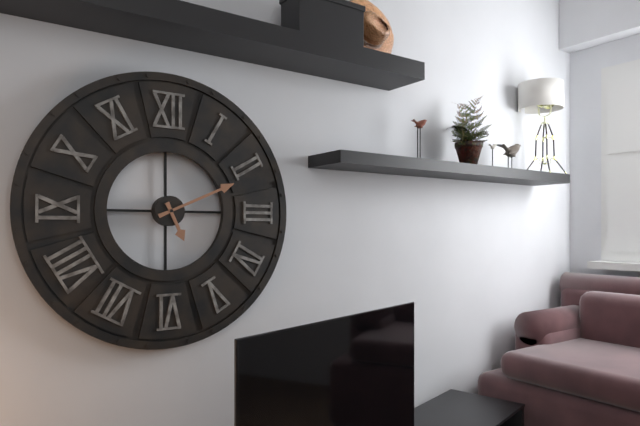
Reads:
h=5 m=11
